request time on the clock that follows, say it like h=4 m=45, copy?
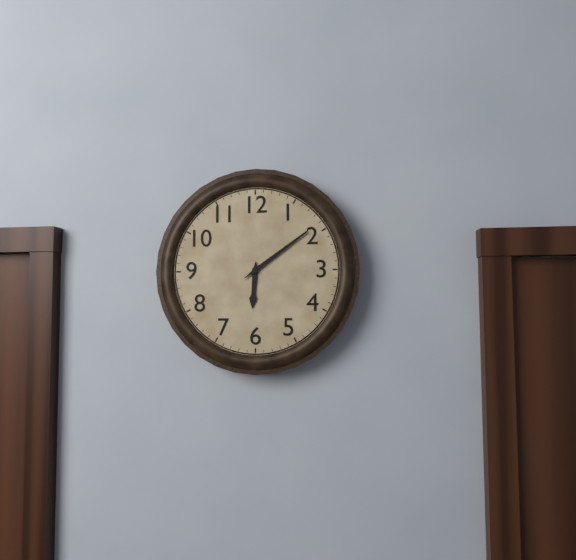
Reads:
h=6 m=9
